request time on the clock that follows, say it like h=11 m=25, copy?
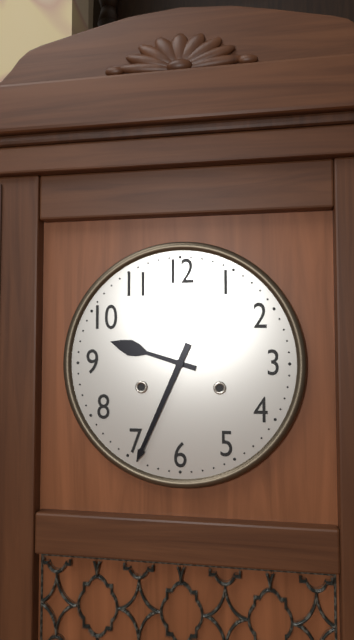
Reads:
h=9 m=34
